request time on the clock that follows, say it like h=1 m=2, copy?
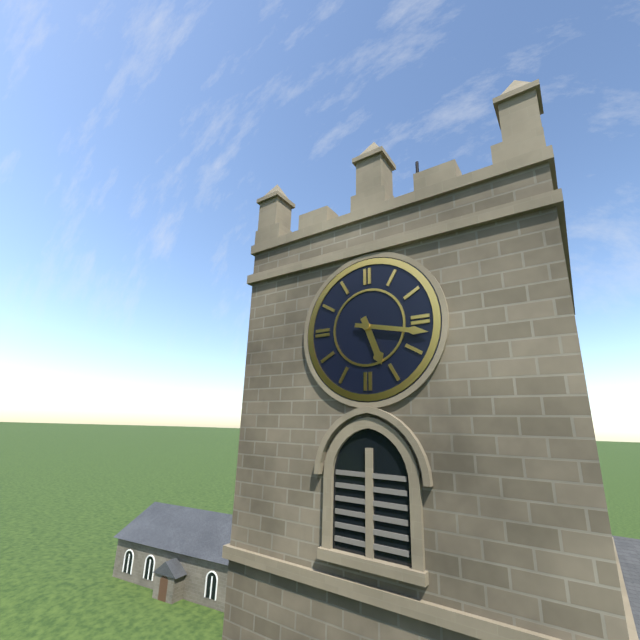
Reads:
h=5 m=17
